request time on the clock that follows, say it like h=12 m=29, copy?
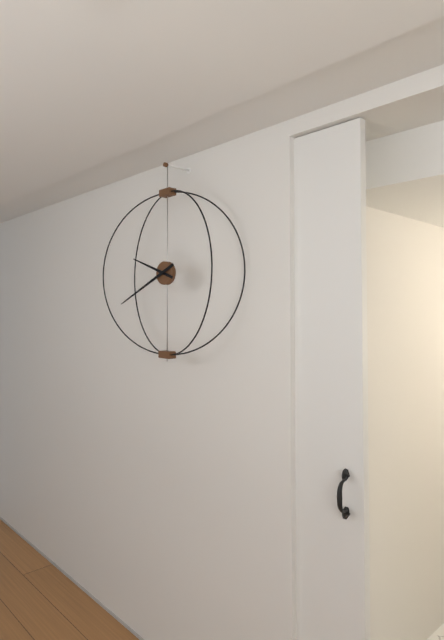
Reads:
h=9 m=41
